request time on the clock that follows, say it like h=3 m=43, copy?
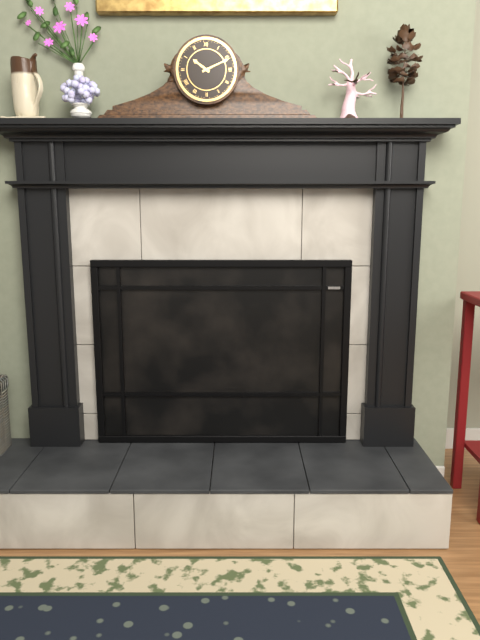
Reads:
h=10 m=11
